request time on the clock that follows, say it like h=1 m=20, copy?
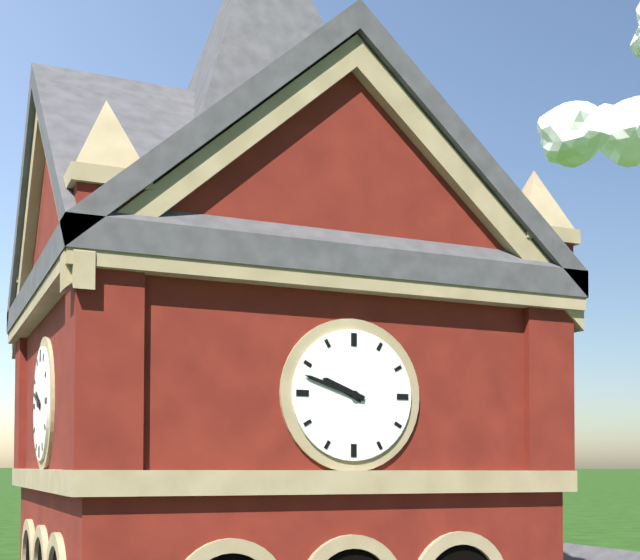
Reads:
h=9 m=48
